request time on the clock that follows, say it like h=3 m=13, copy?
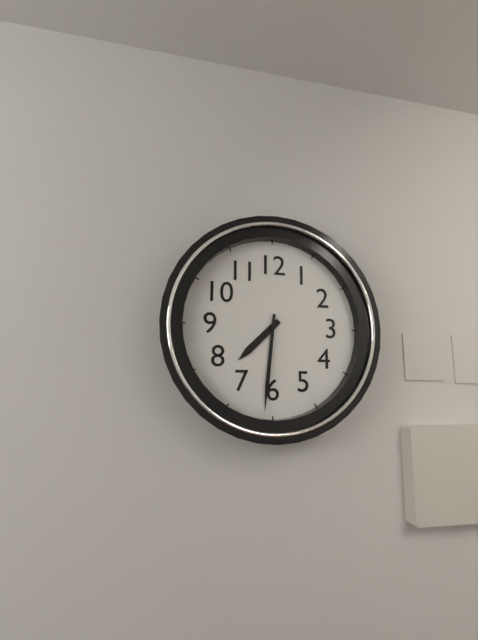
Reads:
h=7 m=31
